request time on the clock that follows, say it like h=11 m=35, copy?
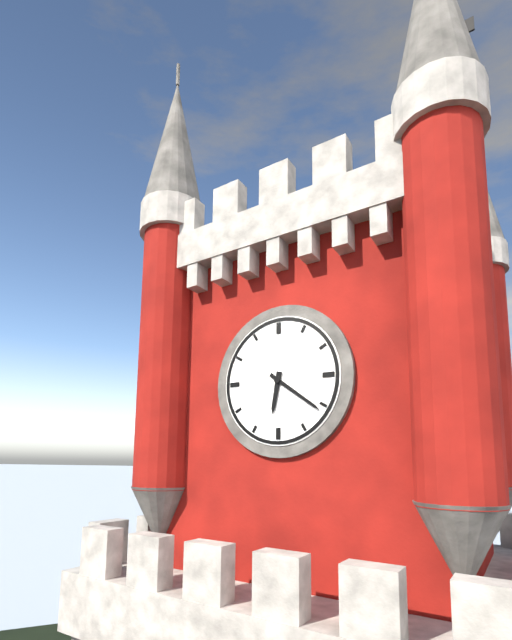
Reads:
h=6 m=21
